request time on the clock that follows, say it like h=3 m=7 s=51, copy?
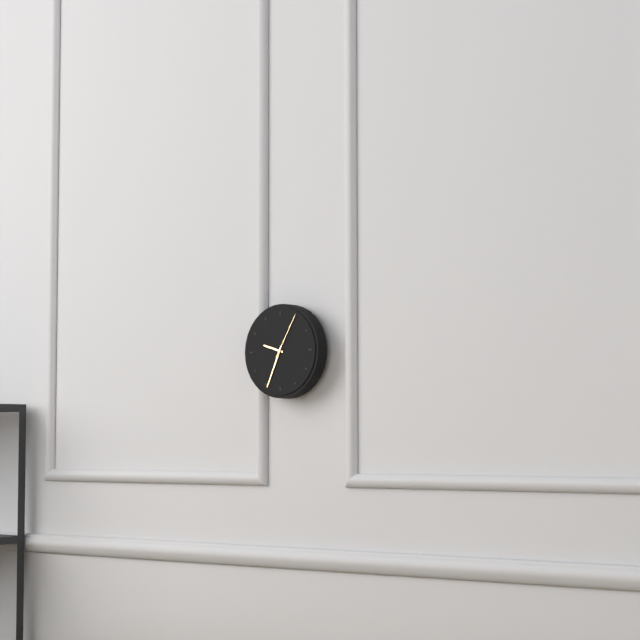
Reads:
h=9 m=34 s=5
